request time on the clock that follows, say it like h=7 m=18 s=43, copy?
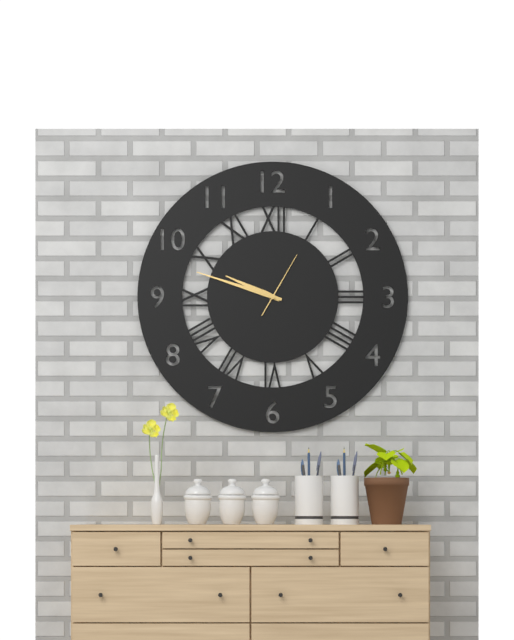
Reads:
h=9 m=48 s=5
